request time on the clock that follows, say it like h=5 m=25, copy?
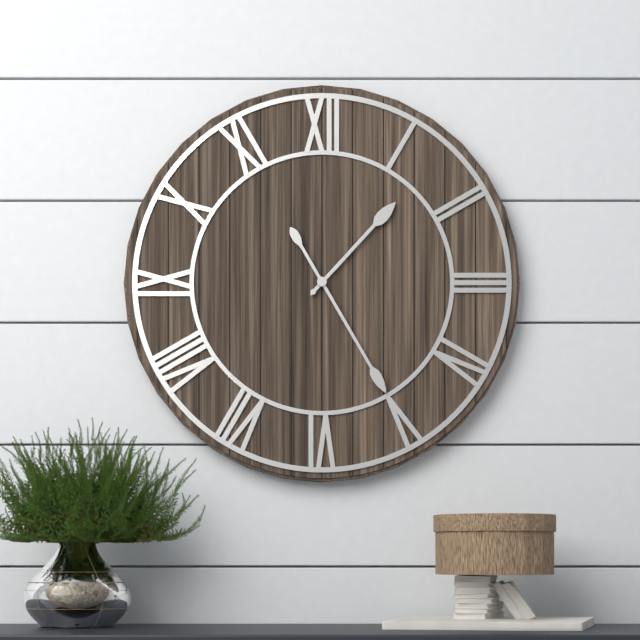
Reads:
h=1 m=25
